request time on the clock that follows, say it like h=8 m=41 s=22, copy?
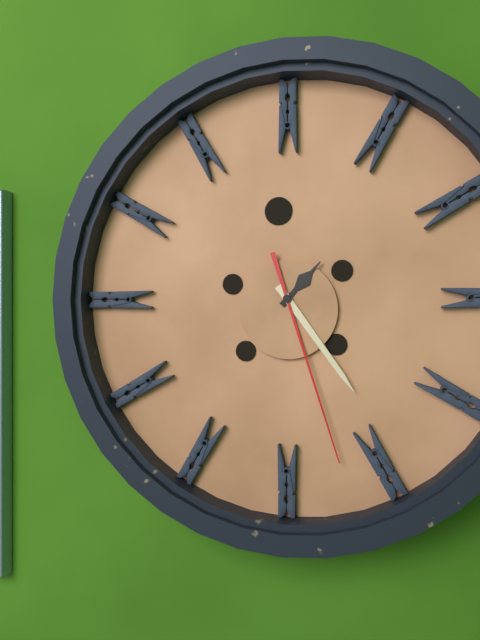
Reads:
h=1 m=24 s=27
